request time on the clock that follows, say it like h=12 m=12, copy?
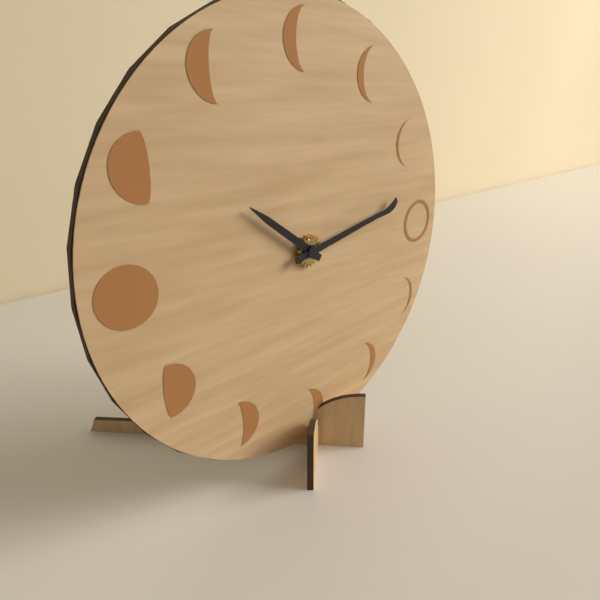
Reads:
h=10 m=13
